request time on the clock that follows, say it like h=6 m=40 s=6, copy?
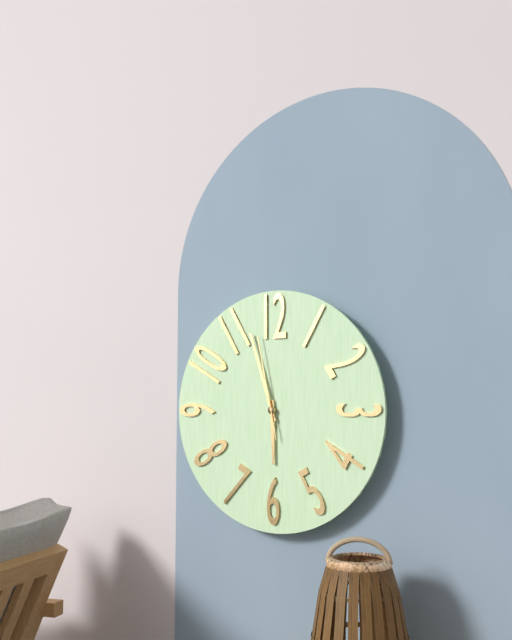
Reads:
h=5 m=57 s=58
